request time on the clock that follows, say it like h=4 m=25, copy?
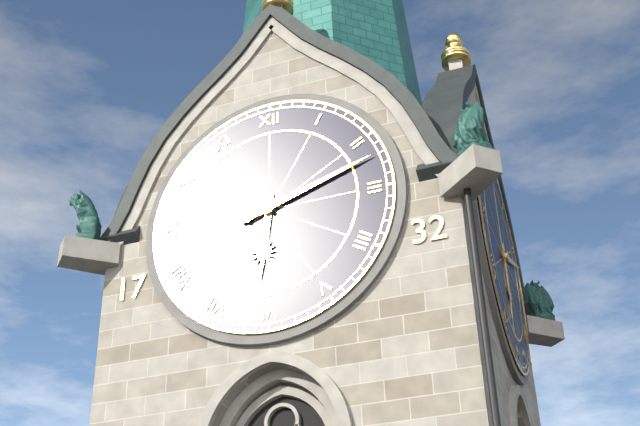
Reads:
h=6 m=12
